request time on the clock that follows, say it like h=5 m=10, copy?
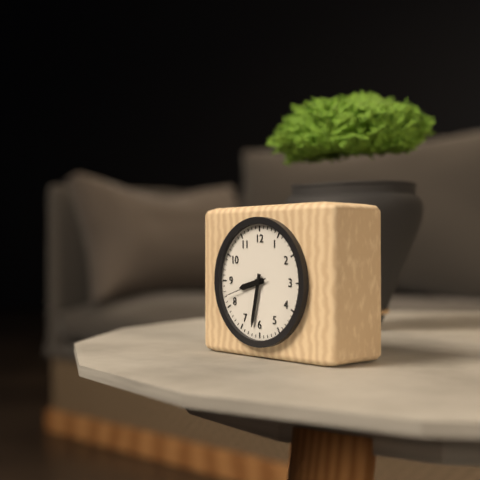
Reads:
h=8 m=32
